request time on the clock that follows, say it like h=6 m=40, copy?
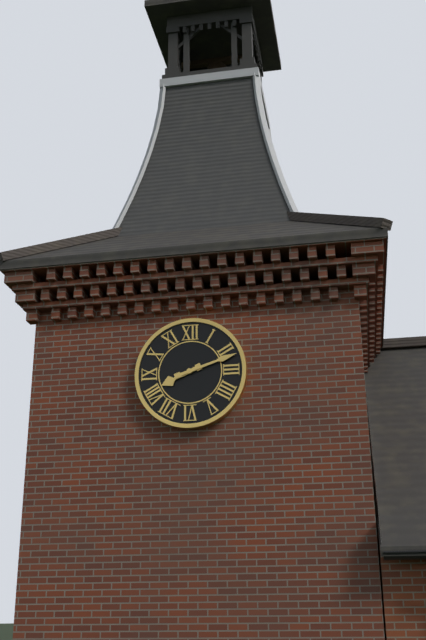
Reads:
h=8 m=12
